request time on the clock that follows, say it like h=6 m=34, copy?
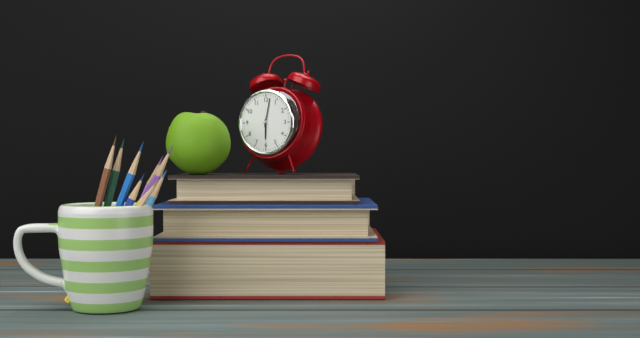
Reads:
h=6 m=2
